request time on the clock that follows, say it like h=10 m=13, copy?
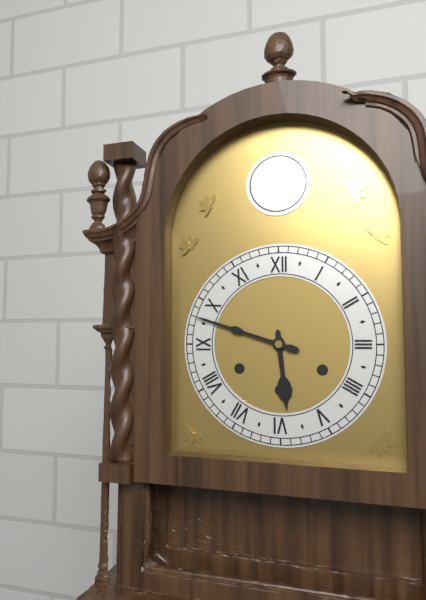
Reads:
h=5 m=48
